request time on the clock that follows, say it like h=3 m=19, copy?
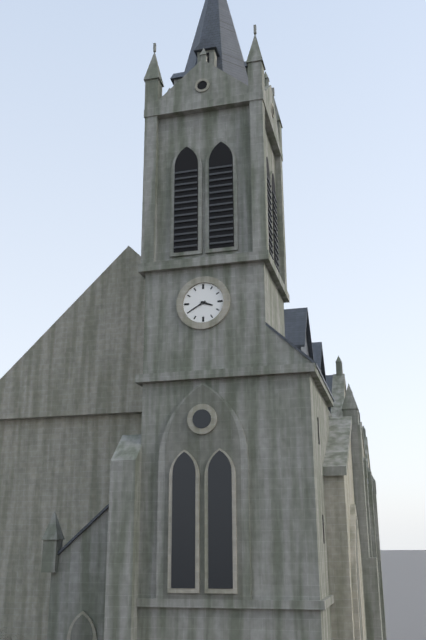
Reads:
h=3 m=40
